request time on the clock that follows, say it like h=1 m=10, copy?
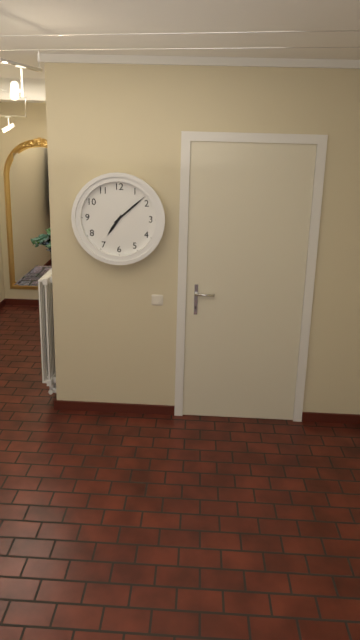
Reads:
h=7 m=8
